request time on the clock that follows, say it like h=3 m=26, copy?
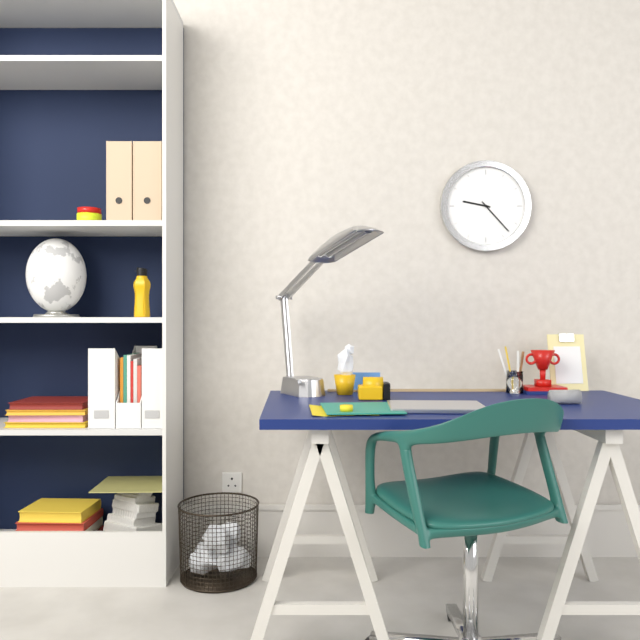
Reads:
h=9 m=23
